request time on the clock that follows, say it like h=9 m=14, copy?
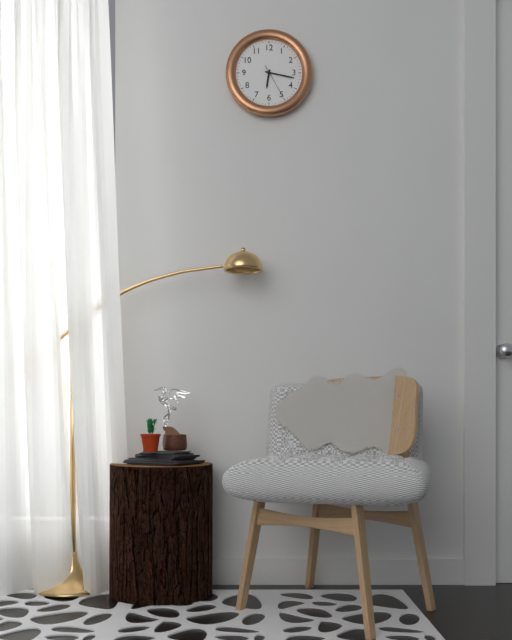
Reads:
h=6 m=17
